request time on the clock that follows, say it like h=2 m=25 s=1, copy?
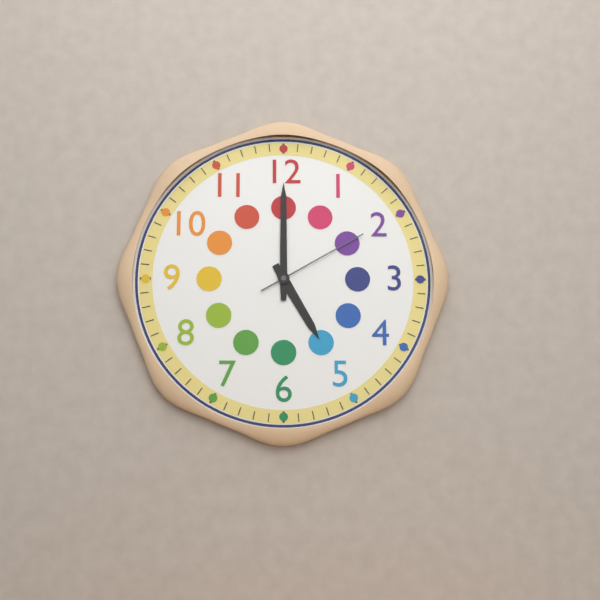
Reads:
h=5 m=0 s=10
